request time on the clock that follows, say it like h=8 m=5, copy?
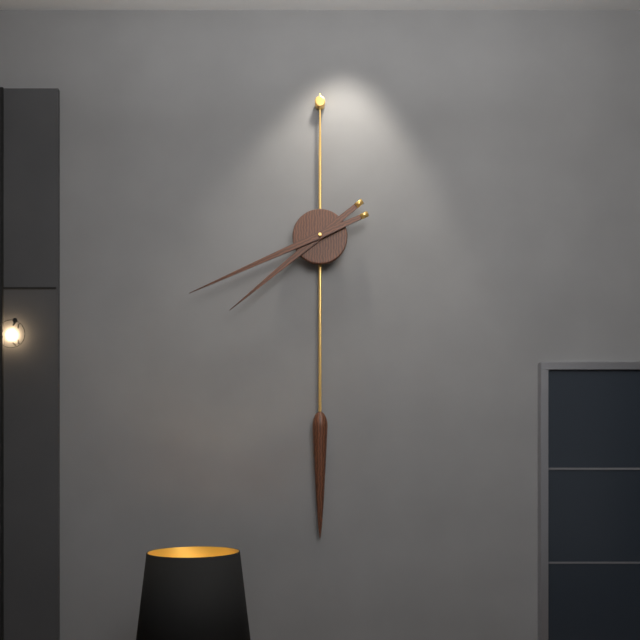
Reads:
h=7 m=41
